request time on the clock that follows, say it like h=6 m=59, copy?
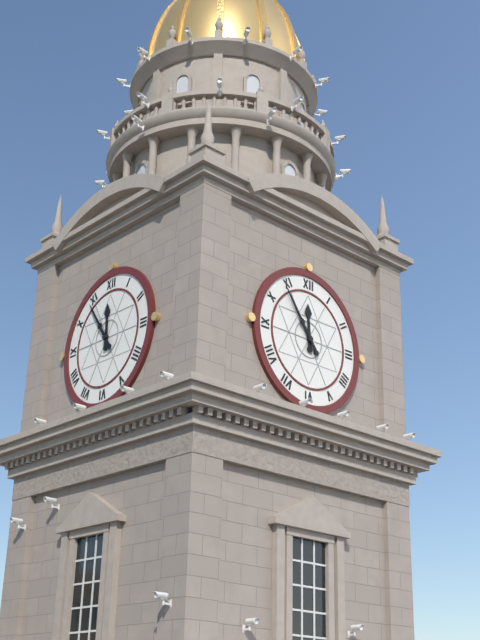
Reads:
h=11 m=54
